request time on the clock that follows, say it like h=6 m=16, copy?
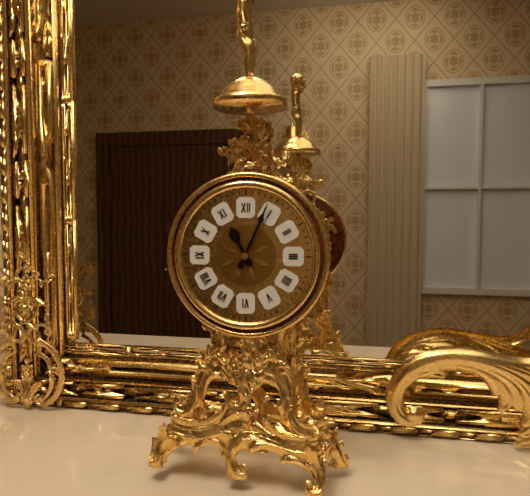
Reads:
h=11 m=4
